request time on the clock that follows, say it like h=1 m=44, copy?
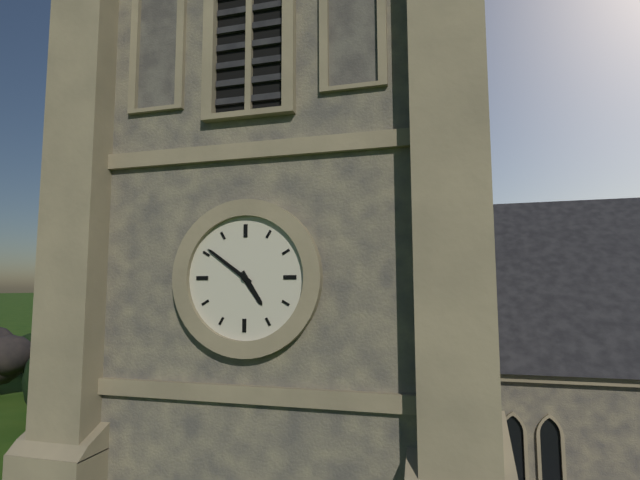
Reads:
h=4 m=51
